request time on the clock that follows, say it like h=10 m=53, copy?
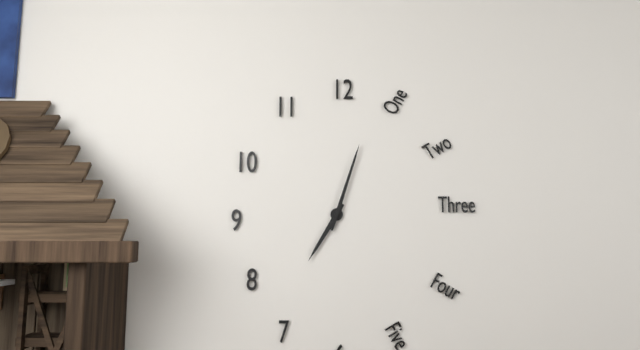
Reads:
h=7 m=3
